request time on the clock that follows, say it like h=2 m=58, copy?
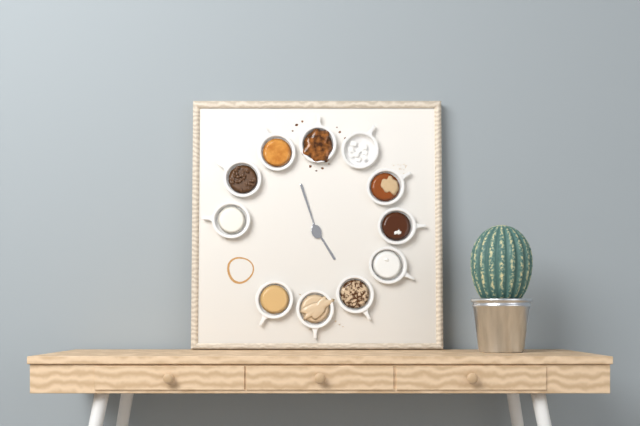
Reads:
h=4 m=57
